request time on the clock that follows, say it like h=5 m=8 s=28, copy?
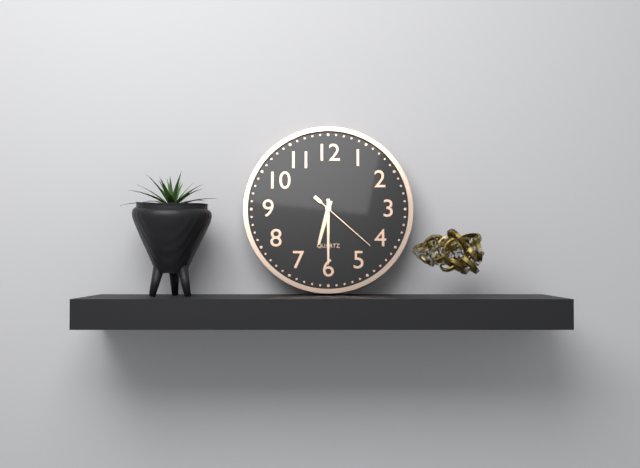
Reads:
h=6 m=30 s=22
